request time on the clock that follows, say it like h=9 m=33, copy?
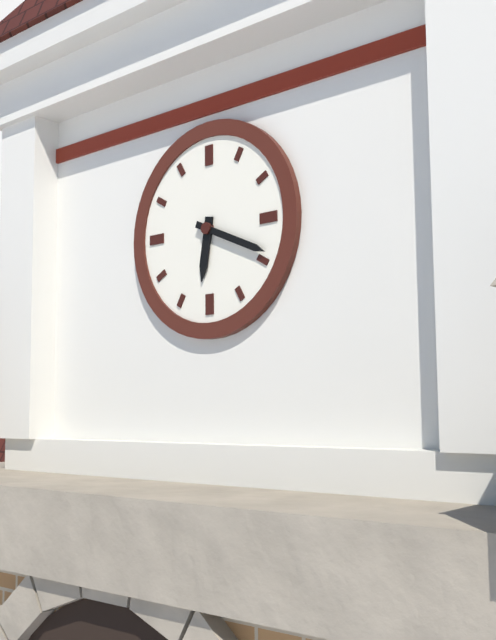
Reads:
h=6 m=19
